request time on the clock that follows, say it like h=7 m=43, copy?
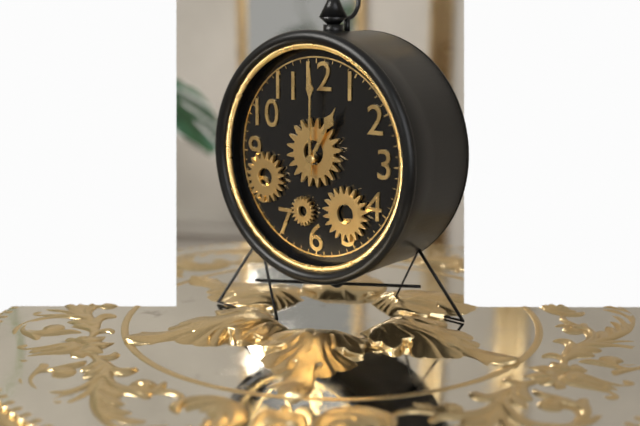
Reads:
h=1 m=0
